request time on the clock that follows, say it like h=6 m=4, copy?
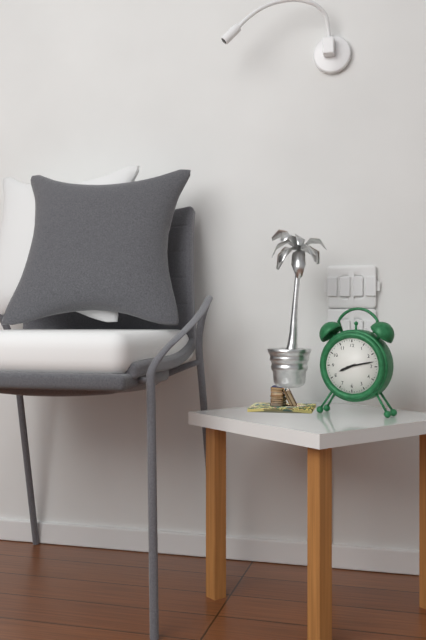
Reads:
h=8 m=13
